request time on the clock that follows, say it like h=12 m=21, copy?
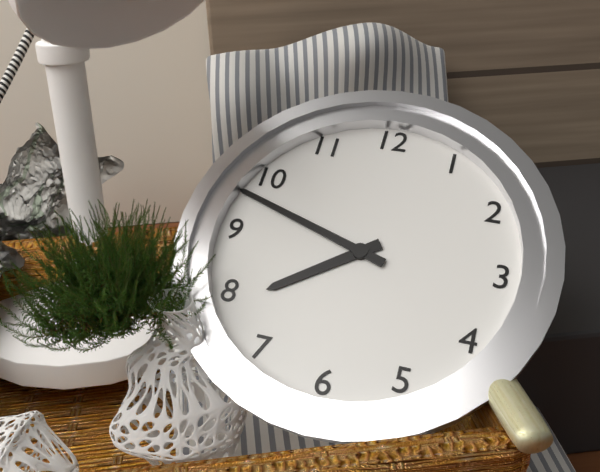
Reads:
h=7 m=48
